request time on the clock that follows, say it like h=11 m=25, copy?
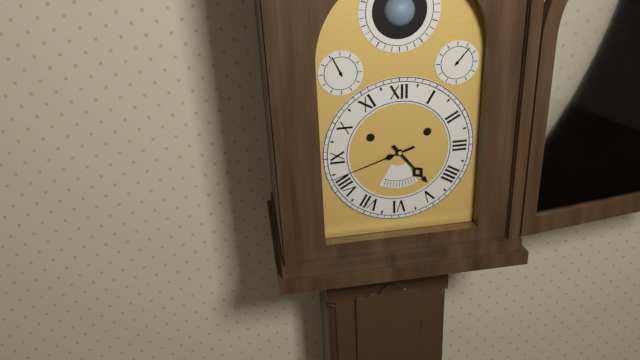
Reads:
h=4 m=42
